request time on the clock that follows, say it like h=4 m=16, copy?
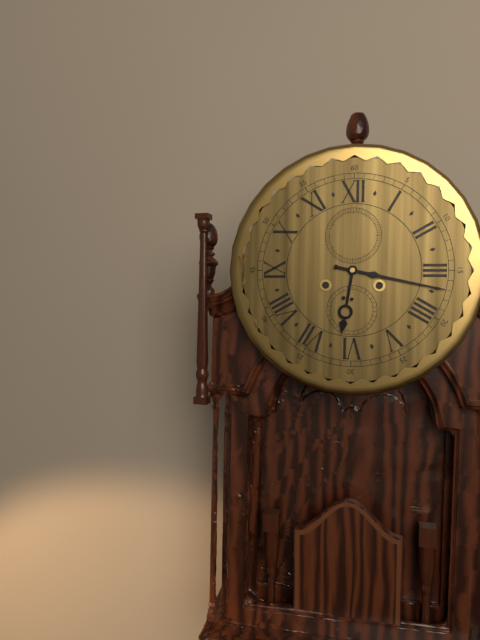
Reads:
h=6 m=17
